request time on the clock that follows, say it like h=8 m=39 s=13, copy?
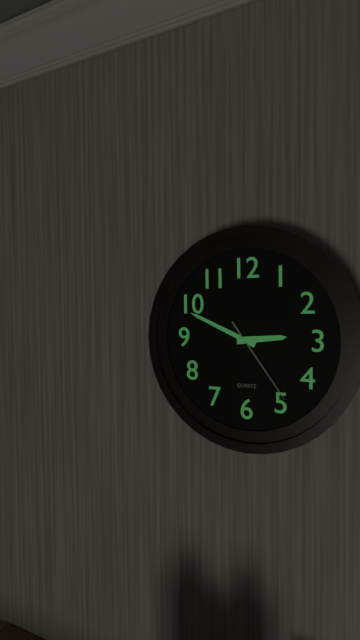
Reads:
h=2 m=49 s=24
